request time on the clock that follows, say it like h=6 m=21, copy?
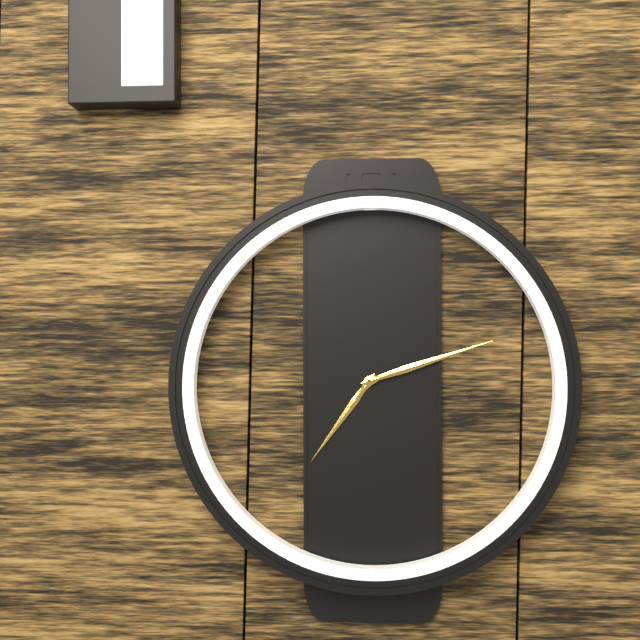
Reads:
h=7 m=12
